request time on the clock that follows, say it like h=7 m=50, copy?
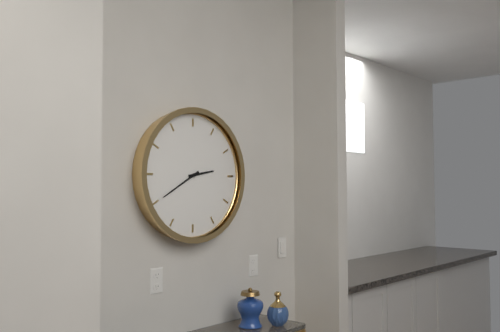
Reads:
h=2 m=40
